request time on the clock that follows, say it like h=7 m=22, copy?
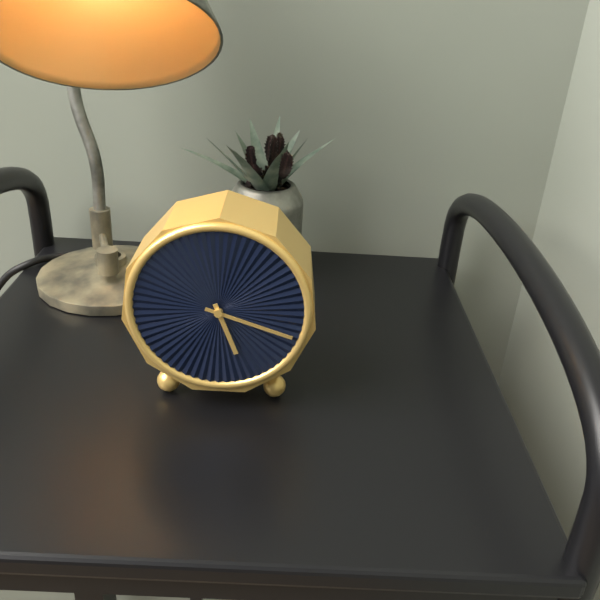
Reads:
h=5 m=18
